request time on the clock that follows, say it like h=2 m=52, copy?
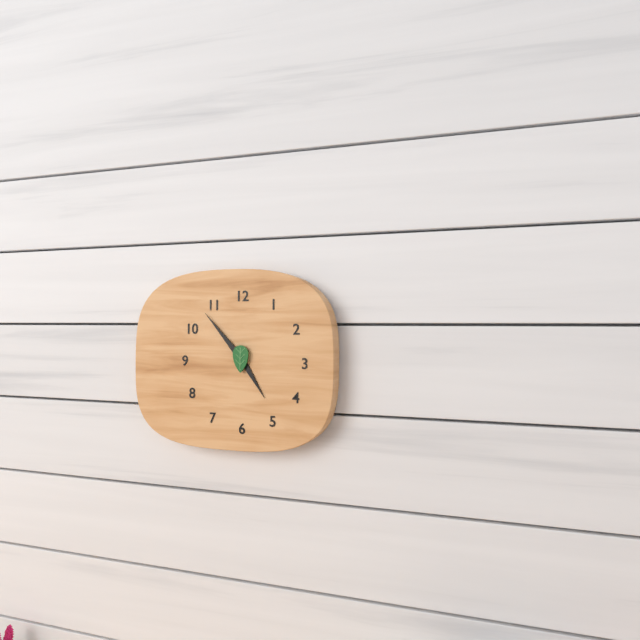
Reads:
h=4 m=53
